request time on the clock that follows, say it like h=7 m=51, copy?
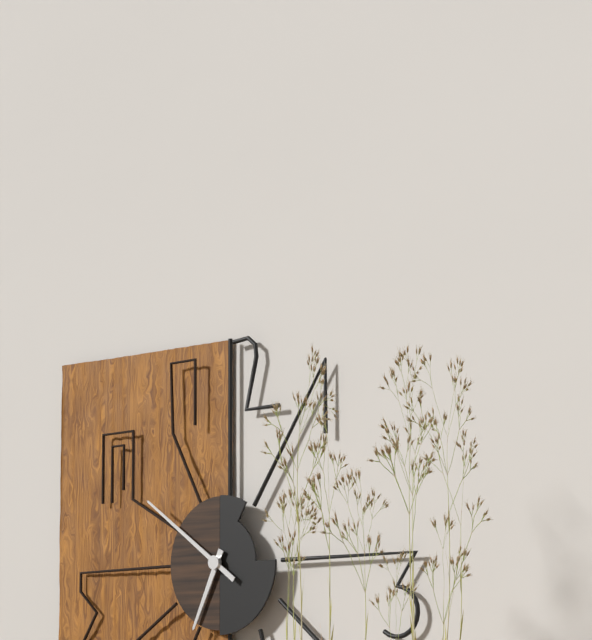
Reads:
h=6 m=51
